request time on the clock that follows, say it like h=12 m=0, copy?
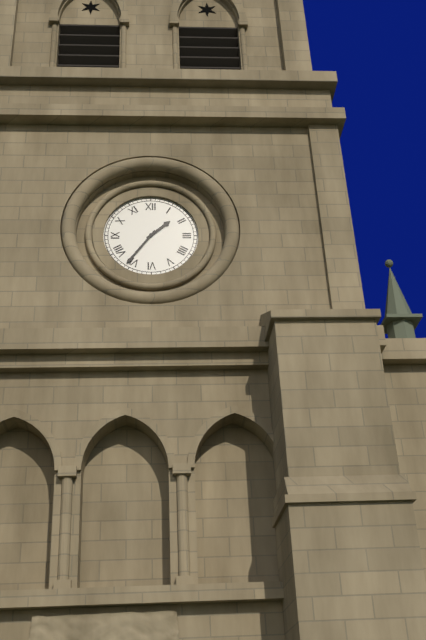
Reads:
h=1 m=36
